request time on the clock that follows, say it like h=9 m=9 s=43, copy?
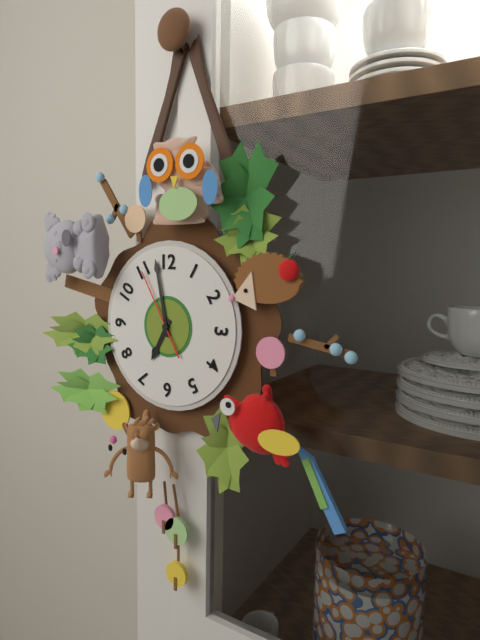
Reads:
h=6 m=58 s=55
